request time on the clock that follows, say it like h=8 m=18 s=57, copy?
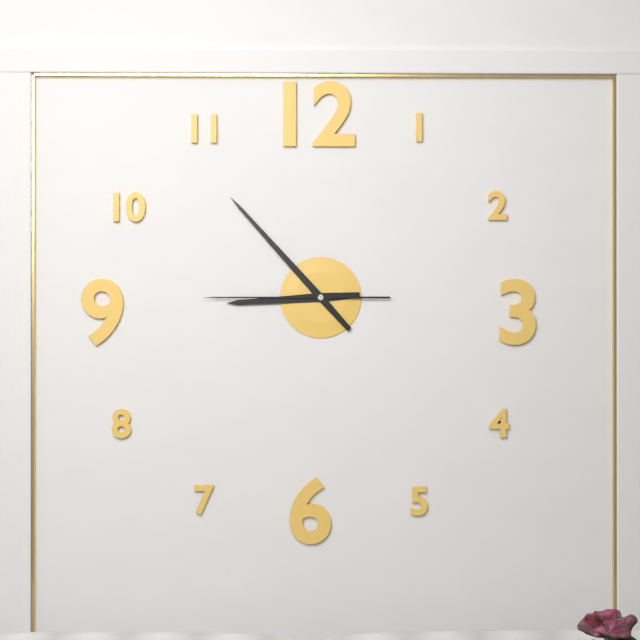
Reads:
h=8 m=53 s=45
